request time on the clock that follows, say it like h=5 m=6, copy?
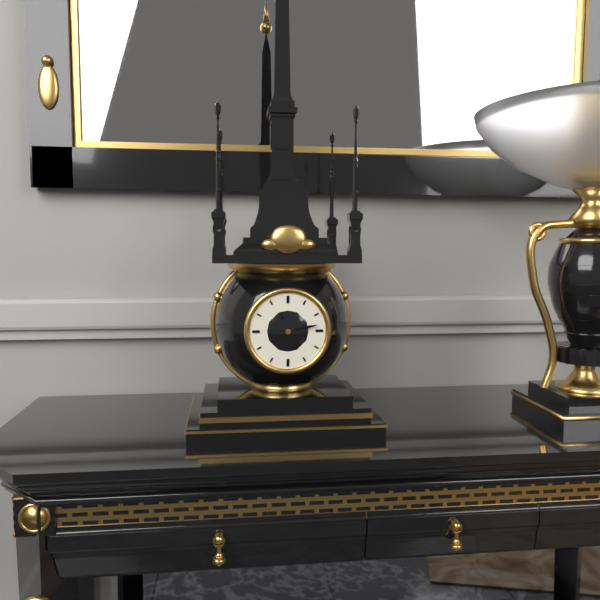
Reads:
h=11 m=13
